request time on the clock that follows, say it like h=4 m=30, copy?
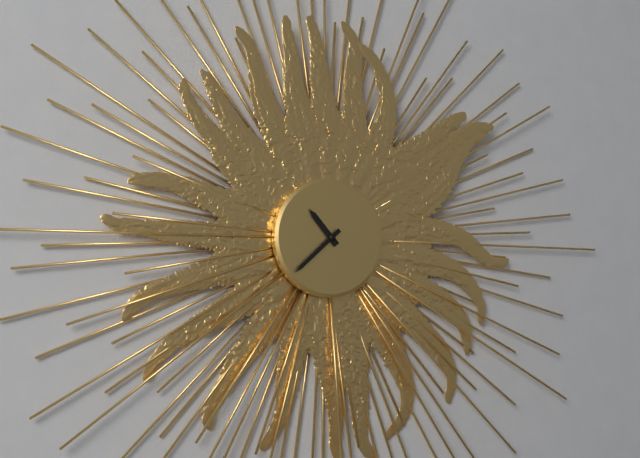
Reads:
h=10 m=38
